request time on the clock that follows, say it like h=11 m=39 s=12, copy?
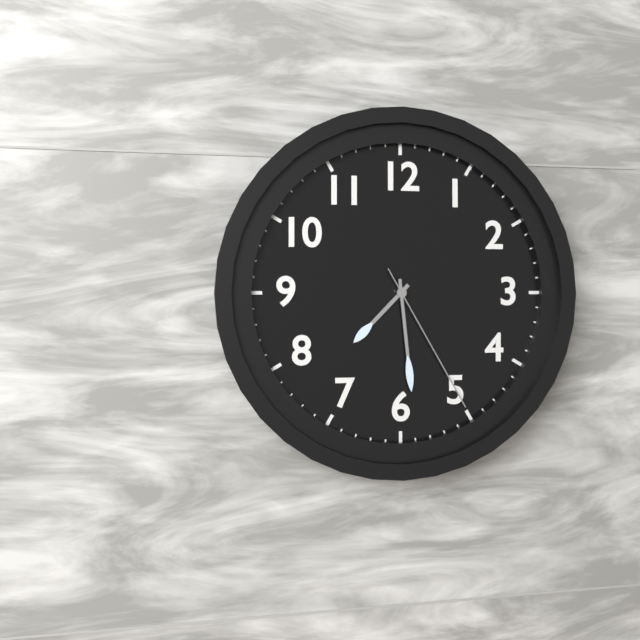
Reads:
h=7 m=29 s=25
